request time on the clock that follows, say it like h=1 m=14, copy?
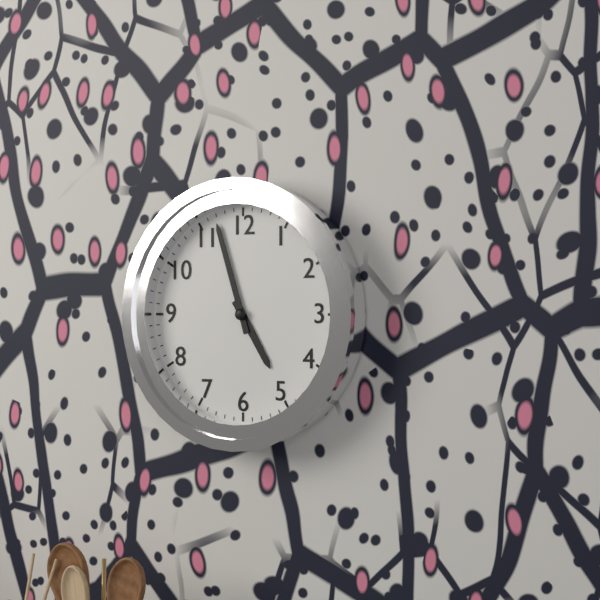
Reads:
h=4 m=57
